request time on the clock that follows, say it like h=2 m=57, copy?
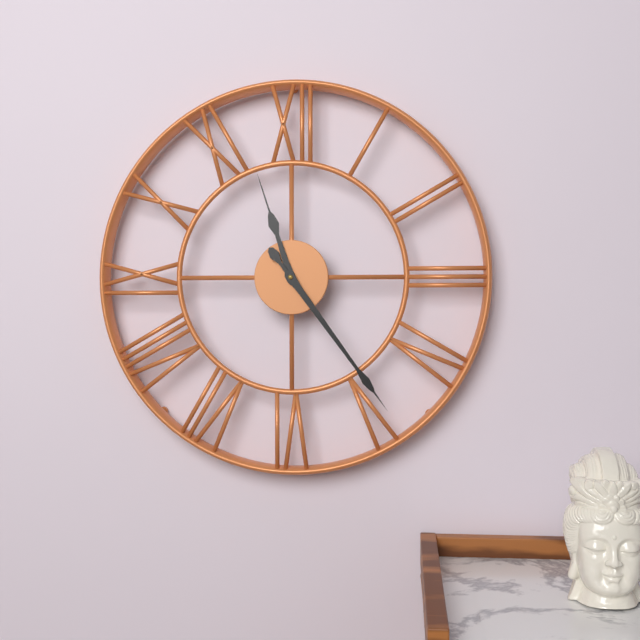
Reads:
h=11 m=24
